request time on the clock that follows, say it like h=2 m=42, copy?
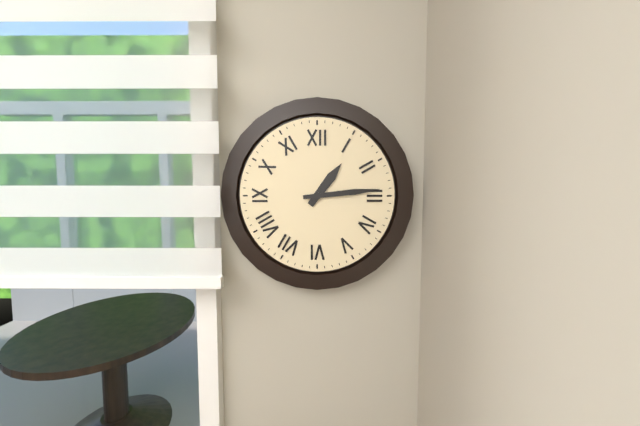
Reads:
h=1 m=14
